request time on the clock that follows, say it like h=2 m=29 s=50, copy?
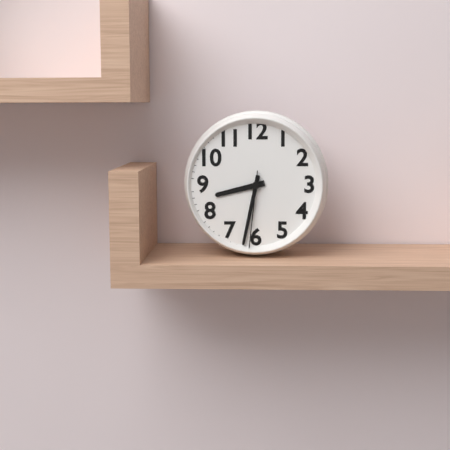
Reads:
h=8 m=32 s=31
